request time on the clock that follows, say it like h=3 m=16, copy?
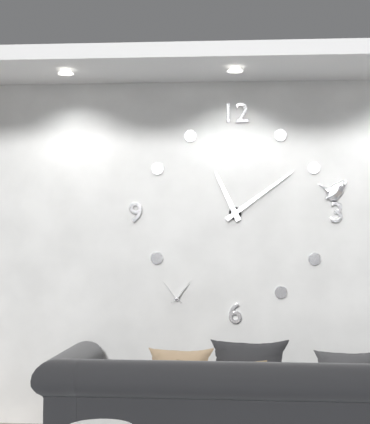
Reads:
h=11 m=9
